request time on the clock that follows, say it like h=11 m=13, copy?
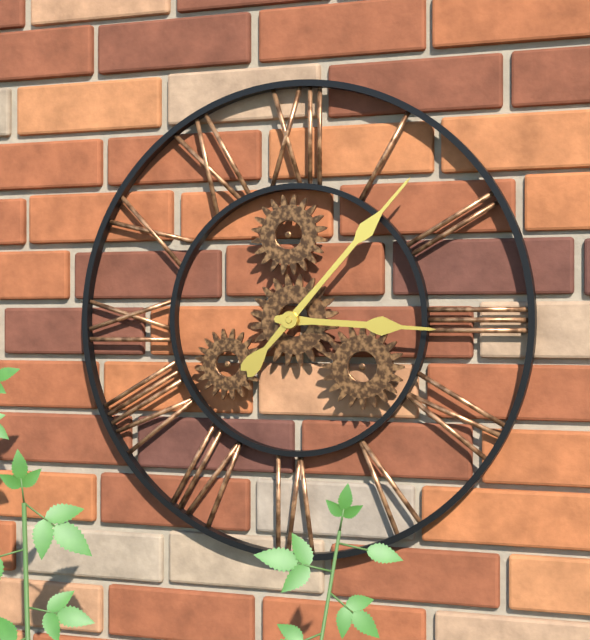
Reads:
h=3 m=7
